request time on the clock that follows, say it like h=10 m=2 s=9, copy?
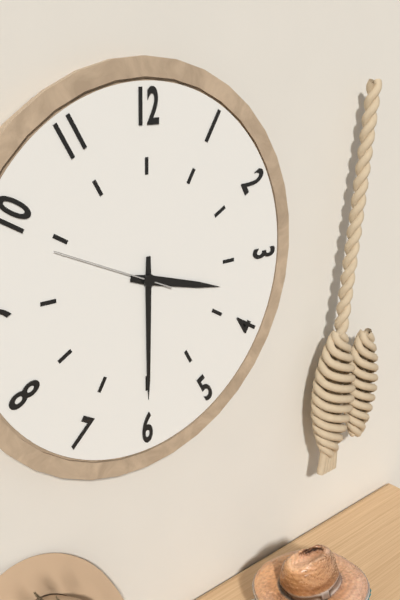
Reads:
h=3 m=30 s=49
